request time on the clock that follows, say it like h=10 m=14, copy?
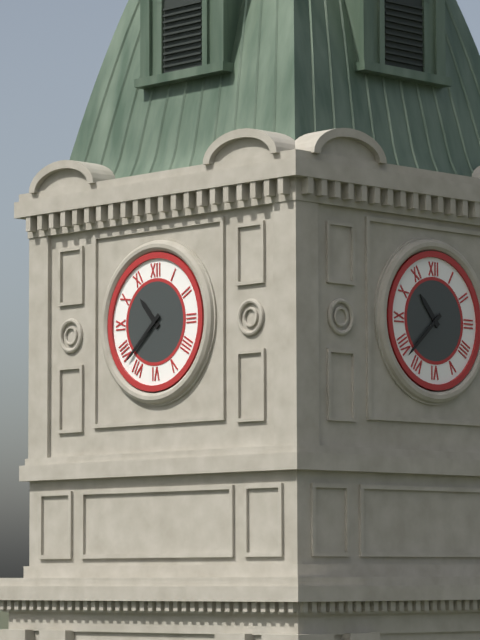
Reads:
h=10 m=38
